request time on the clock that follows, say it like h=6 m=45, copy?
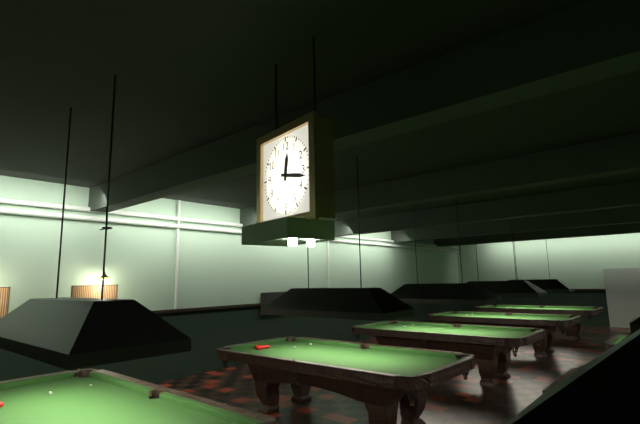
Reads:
h=12 m=17
